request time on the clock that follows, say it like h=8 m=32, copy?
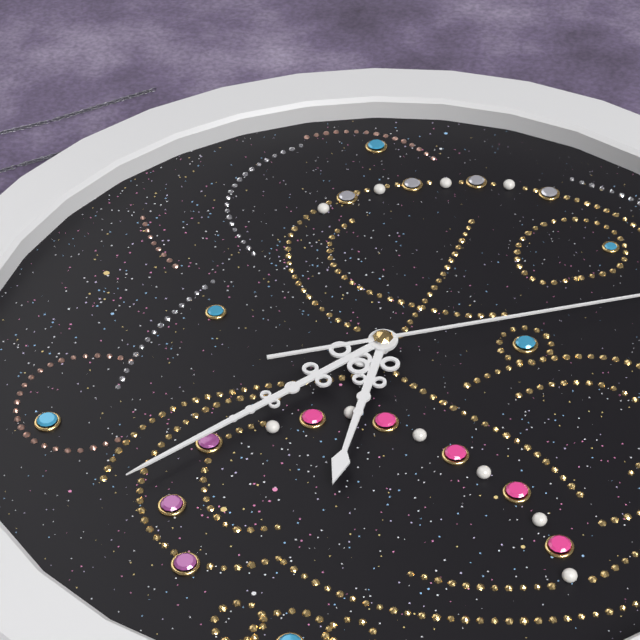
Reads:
h=12 m=7
